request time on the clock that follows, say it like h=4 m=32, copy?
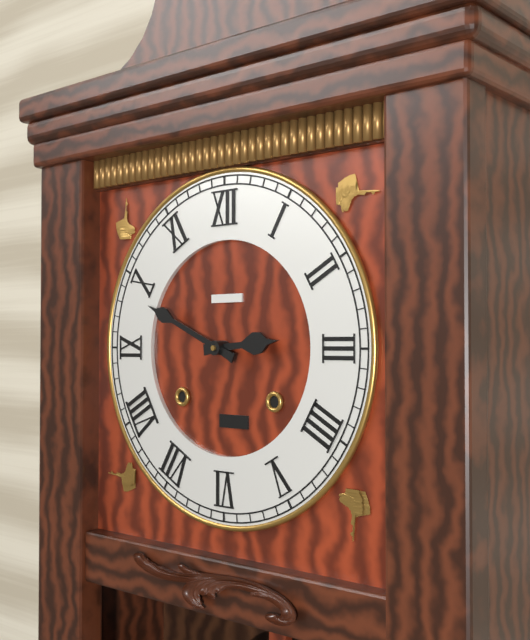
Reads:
h=2 m=49
